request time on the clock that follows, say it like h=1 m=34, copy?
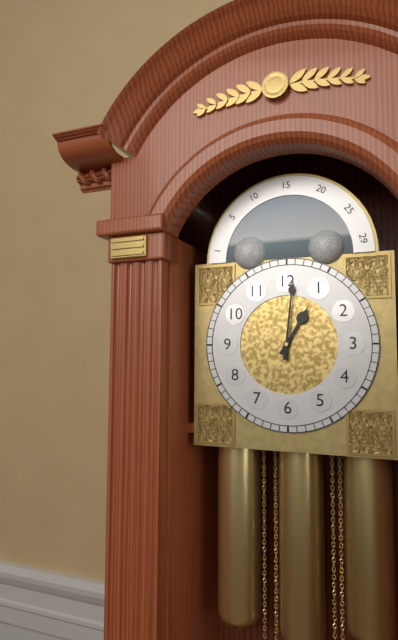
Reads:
h=1 m=1
